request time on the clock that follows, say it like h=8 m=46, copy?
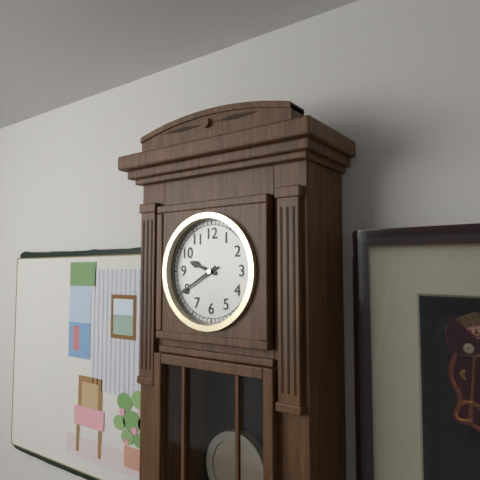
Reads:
h=9 m=40
